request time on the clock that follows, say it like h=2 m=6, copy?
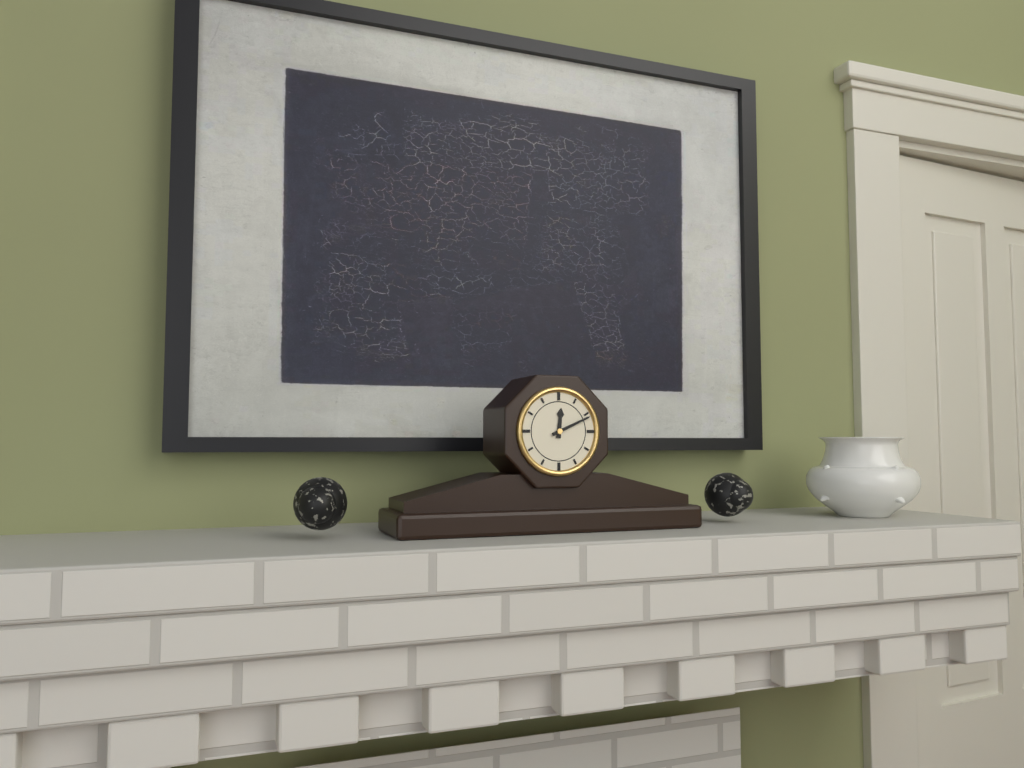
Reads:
h=12 m=11
